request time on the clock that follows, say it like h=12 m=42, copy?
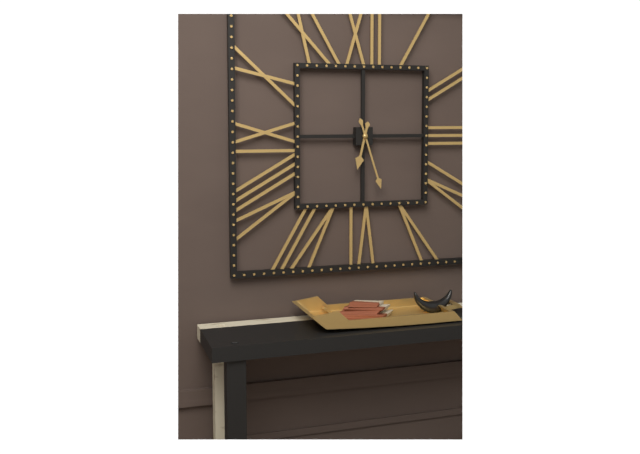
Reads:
h=6 m=27
